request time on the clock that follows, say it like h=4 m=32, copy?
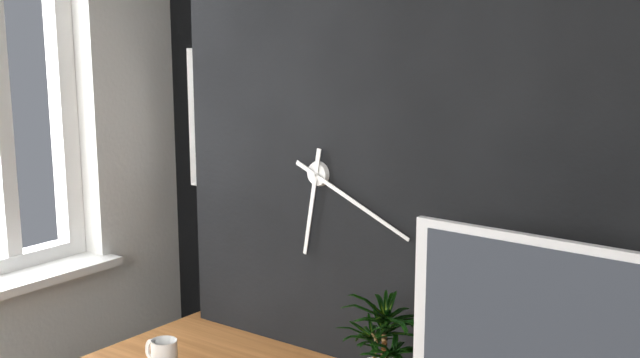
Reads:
h=6 m=19
